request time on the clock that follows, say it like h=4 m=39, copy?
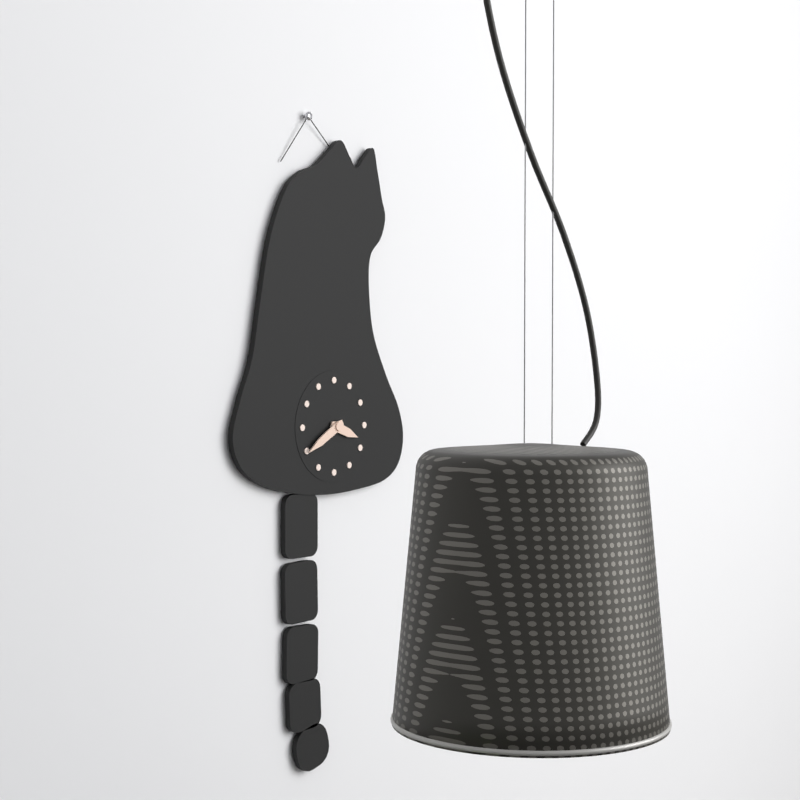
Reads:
h=3 m=40
